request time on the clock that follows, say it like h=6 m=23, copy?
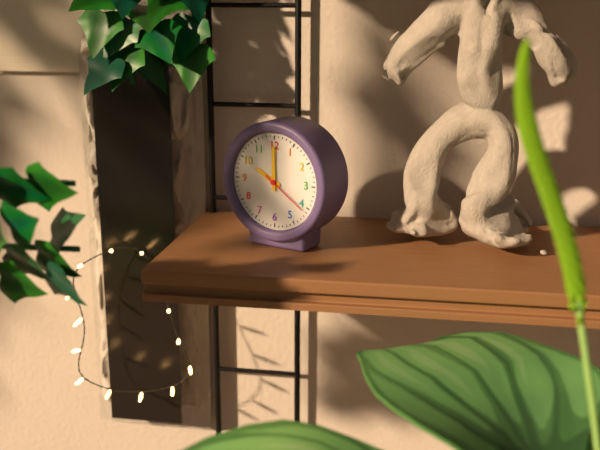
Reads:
h=10 m=0
